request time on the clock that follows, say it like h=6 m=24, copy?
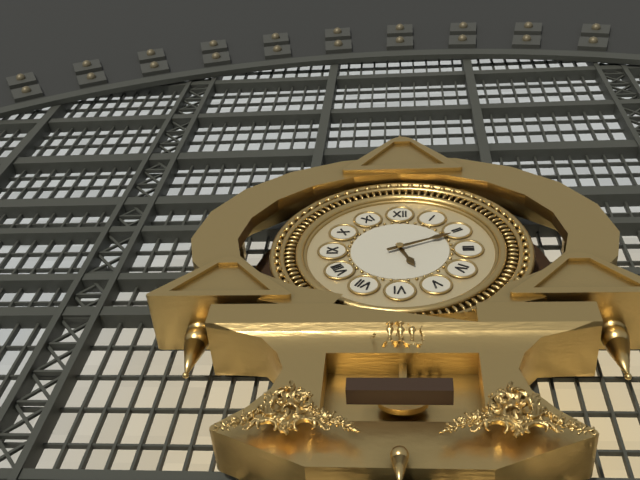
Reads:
h=5 m=11
